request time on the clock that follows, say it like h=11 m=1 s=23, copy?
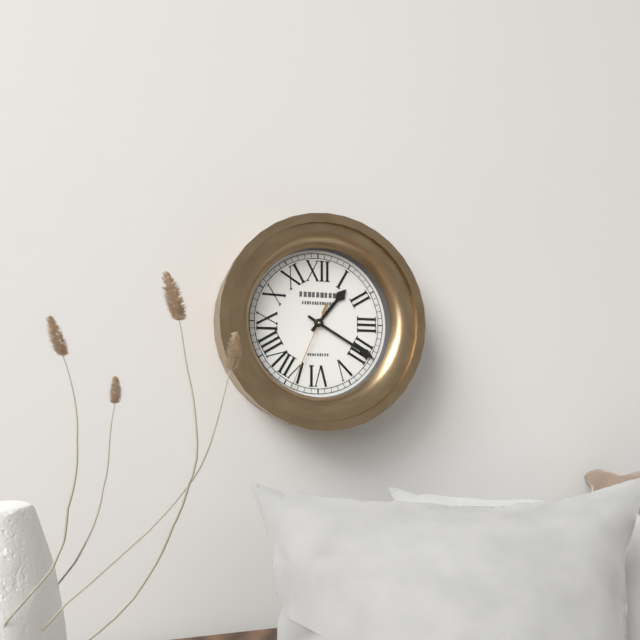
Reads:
h=1 m=20 s=34
